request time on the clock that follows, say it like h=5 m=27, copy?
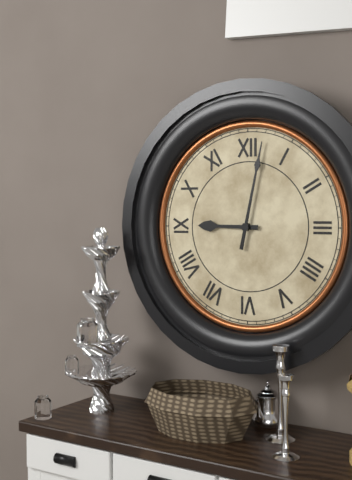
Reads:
h=9 m=2
